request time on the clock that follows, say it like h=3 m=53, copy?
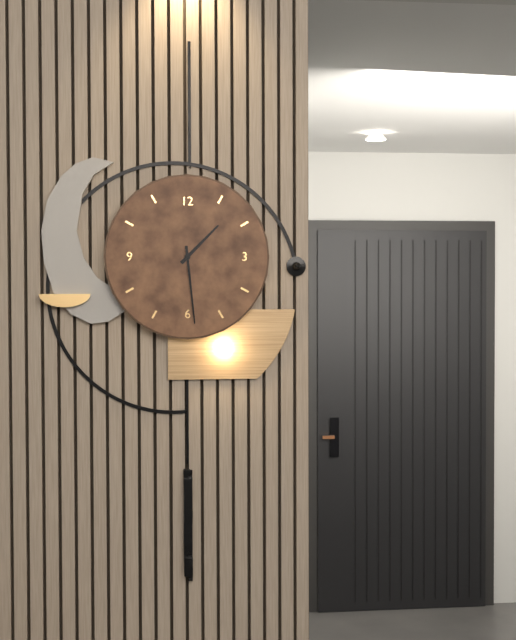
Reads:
h=1 m=29
